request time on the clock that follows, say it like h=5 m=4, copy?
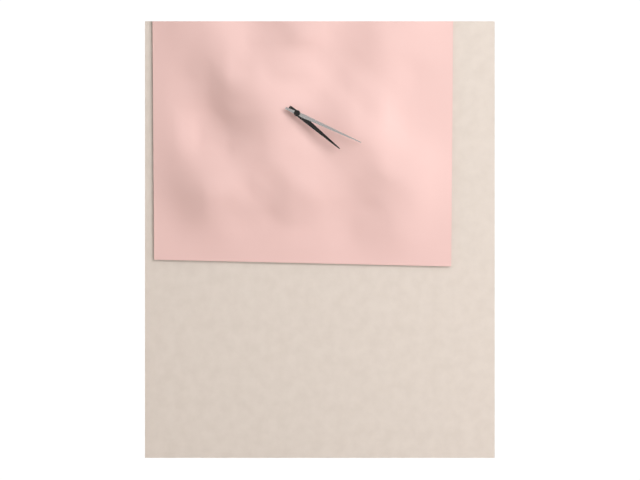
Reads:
h=4 m=19
